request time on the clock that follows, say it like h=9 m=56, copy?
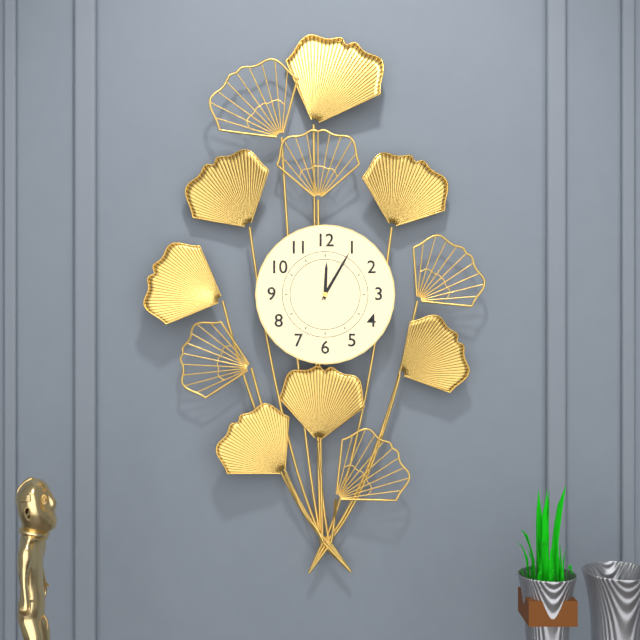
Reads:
h=12 m=5
